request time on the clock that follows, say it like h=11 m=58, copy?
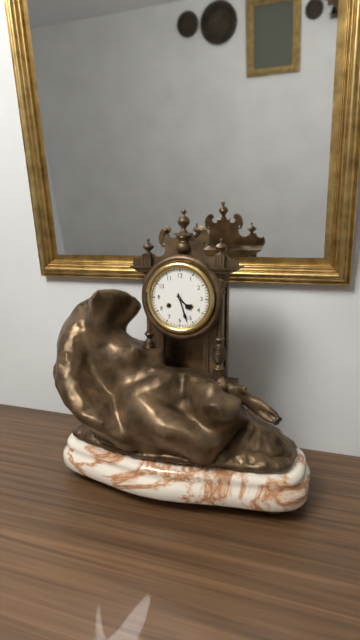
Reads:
h=4 m=27
